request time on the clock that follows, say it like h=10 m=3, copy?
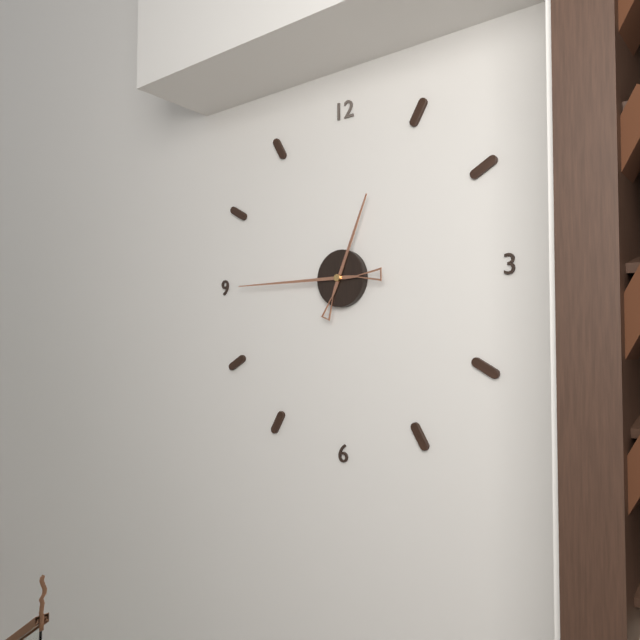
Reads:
h=12 m=45
